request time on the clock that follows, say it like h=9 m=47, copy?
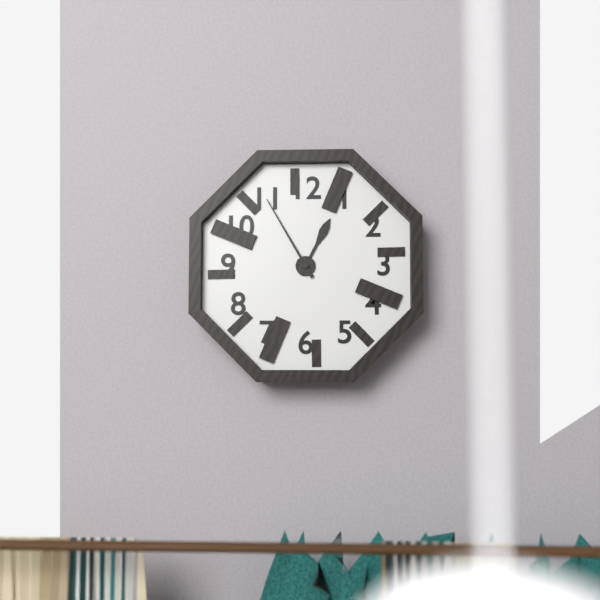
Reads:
h=12 m=55
